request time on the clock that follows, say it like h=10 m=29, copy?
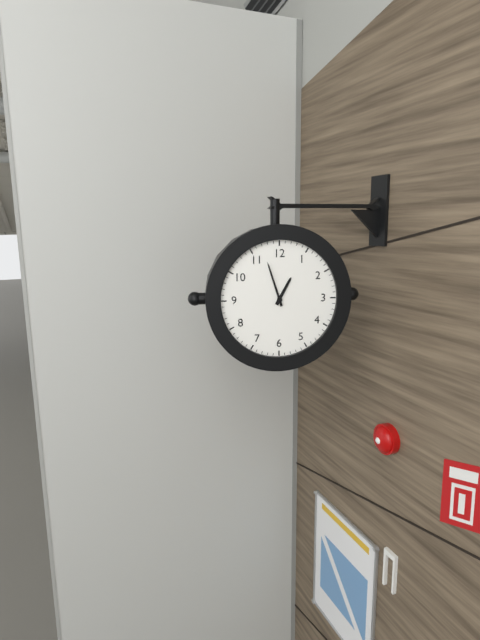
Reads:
h=12 m=57
